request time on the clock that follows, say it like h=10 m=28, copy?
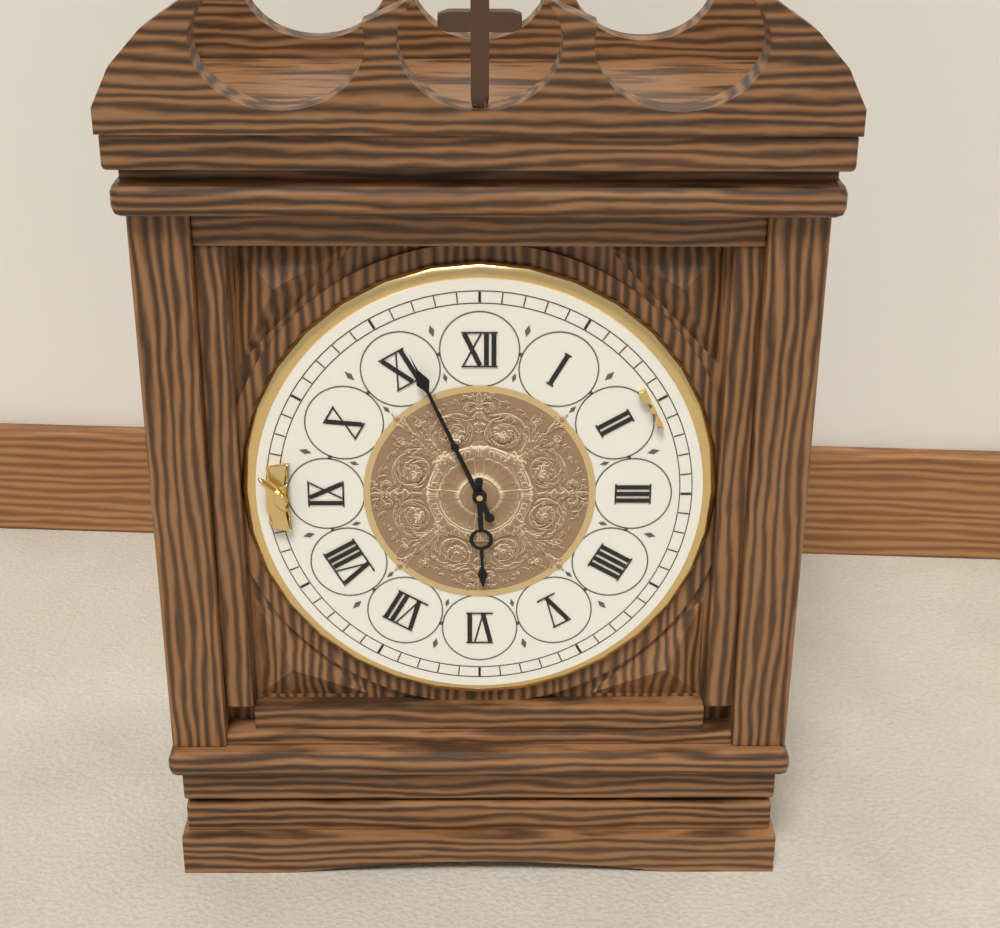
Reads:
h=5 m=56
